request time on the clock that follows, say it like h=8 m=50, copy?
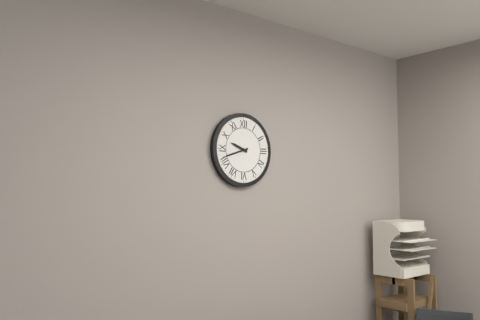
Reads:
h=9 m=42
